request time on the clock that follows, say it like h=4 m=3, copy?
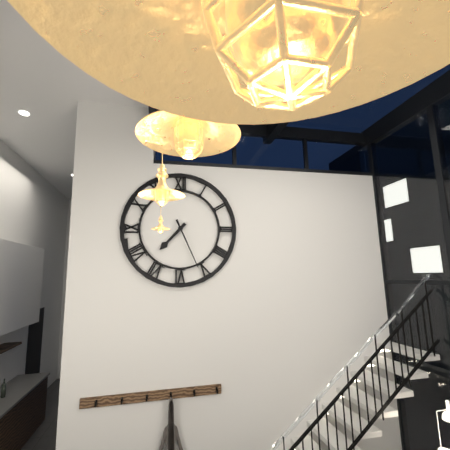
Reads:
h=7 m=26
